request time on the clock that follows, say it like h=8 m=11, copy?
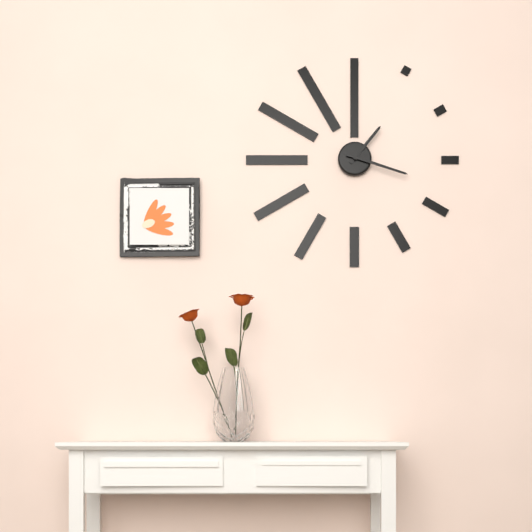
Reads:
h=1 m=18
